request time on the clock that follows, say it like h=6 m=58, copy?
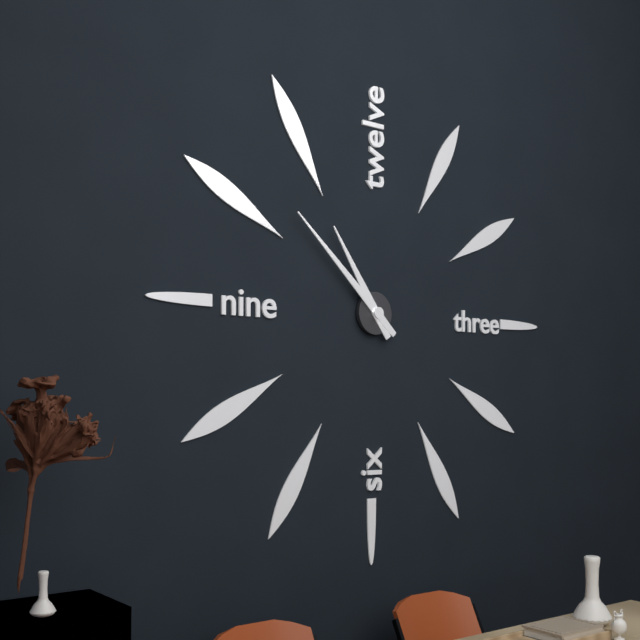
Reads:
h=10 m=52
